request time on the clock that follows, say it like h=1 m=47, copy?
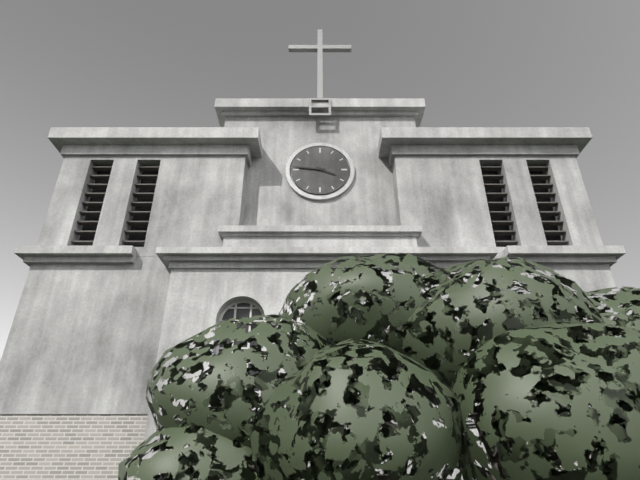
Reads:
h=3 m=46
